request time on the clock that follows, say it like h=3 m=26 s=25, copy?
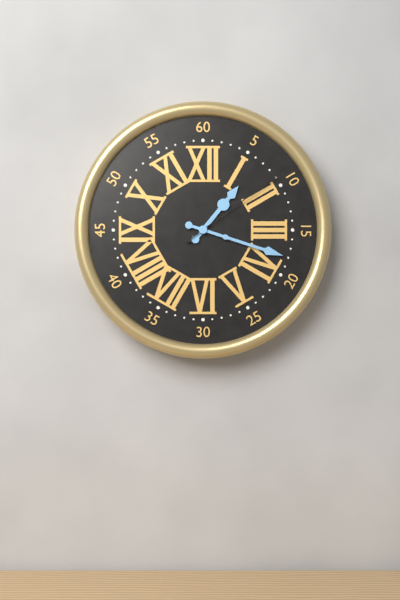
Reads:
h=1 m=18 s=9
